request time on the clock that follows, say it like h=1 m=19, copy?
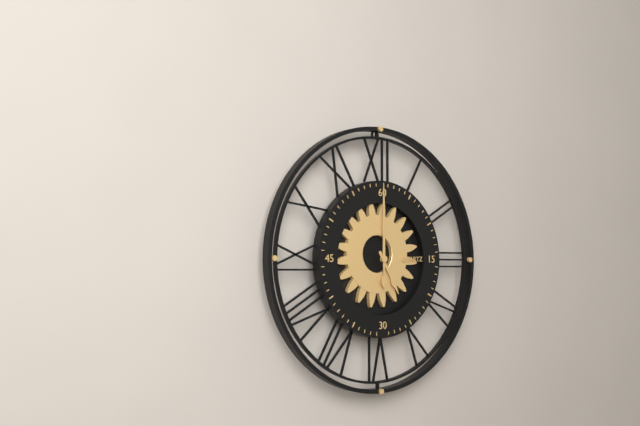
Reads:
h=5 m=0
